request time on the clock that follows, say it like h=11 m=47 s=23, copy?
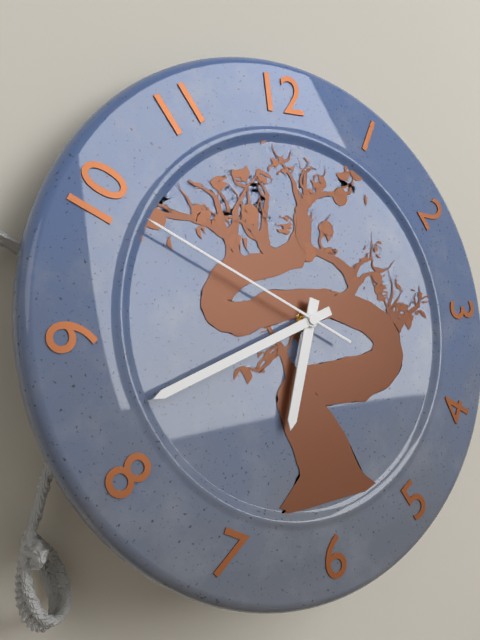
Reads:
h=6 m=42 s=50
